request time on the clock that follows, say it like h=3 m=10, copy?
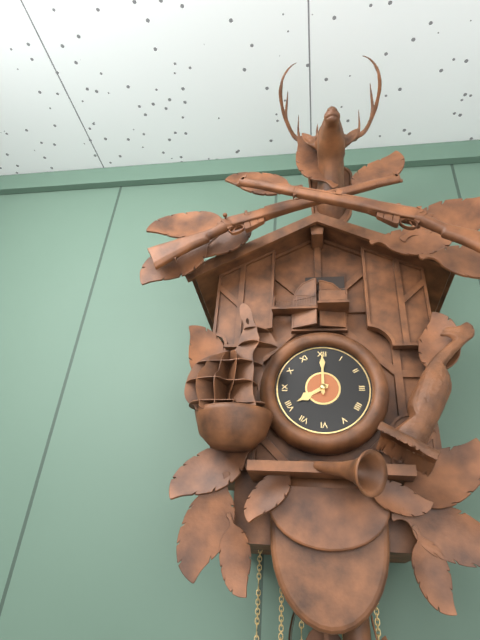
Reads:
h=8 m=0
